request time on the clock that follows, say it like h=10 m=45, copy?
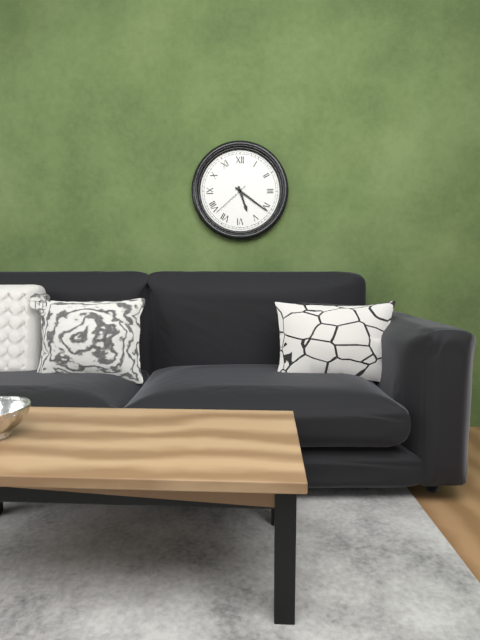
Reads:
h=5 m=21
